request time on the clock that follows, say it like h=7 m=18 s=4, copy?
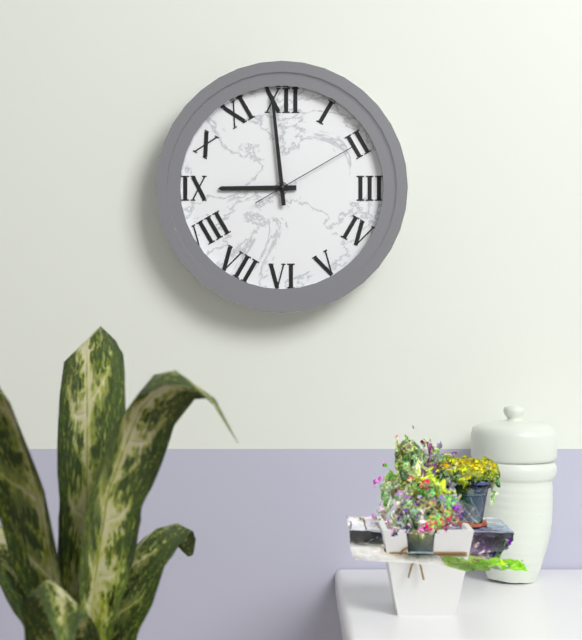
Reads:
h=8 m=59 s=10
